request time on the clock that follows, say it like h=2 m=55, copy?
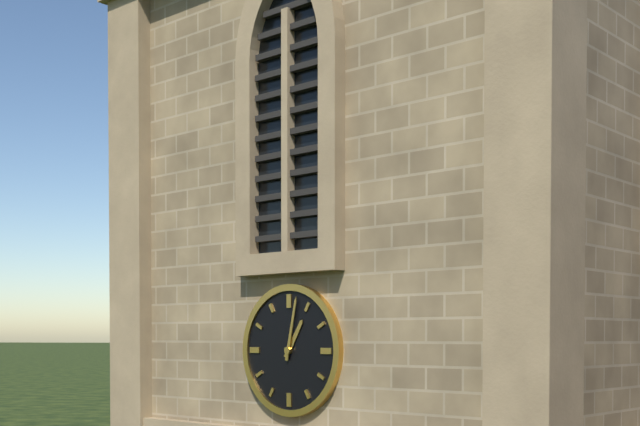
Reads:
h=1 m=2
